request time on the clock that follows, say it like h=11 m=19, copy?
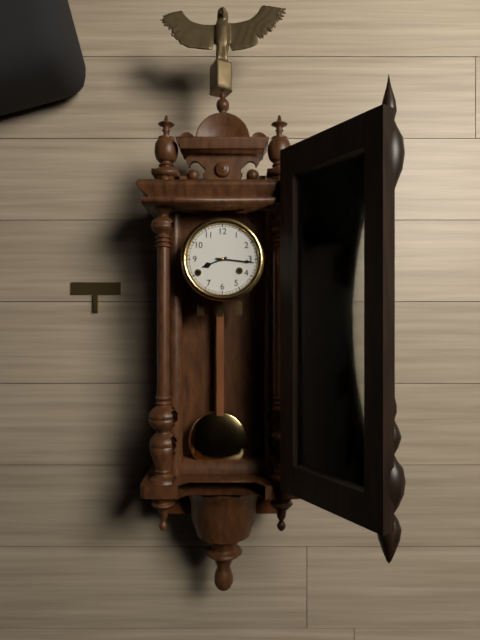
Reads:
h=8 m=16
